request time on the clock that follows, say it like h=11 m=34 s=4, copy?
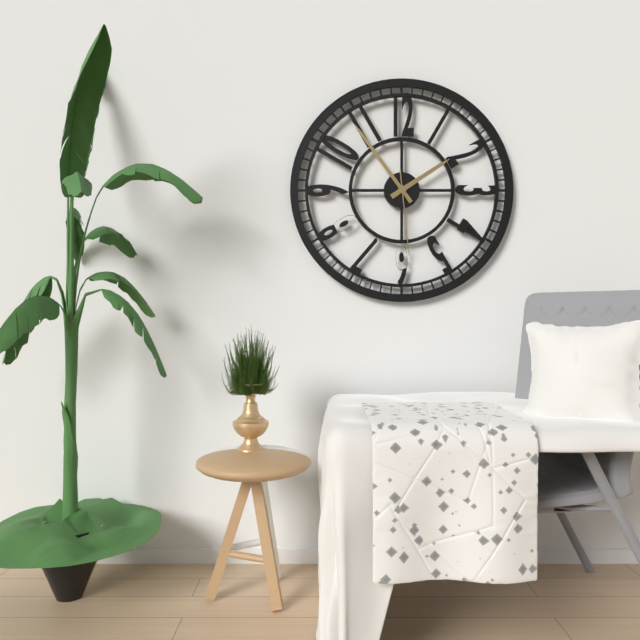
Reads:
h=1 m=54 s=29
